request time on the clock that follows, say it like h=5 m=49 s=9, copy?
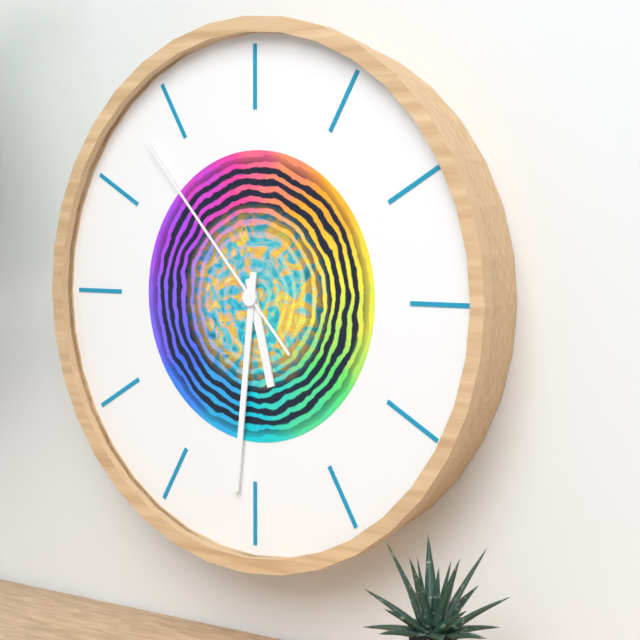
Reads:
h=5 m=31 s=53
